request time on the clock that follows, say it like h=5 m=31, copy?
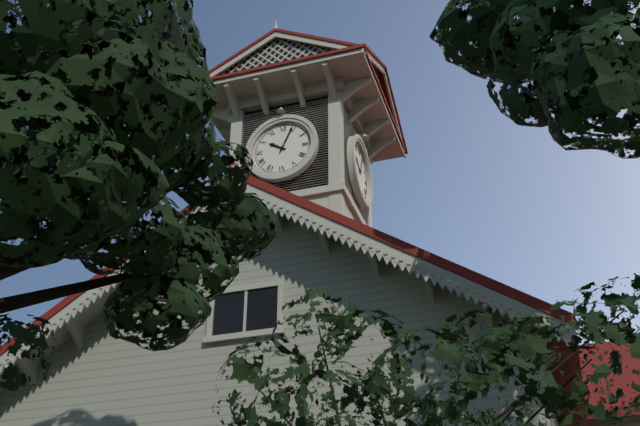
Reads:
h=10 m=4
